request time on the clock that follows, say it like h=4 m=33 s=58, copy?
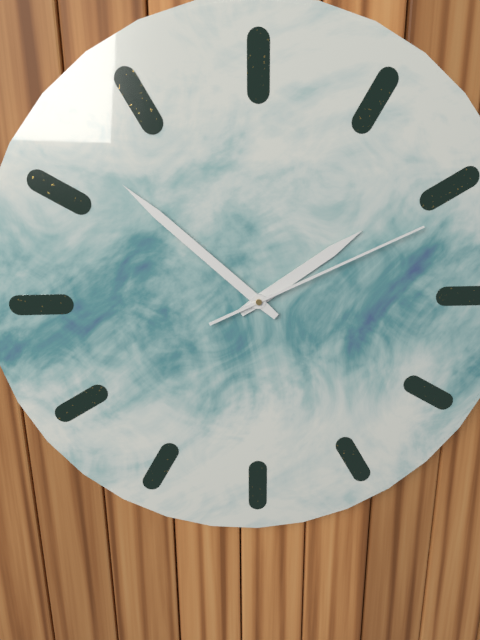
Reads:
h=1 m=52 s=11
